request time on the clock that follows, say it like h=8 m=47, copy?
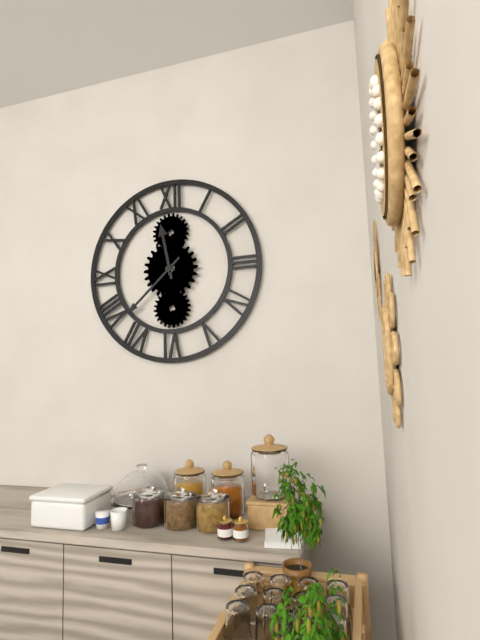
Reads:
h=11 m=38
